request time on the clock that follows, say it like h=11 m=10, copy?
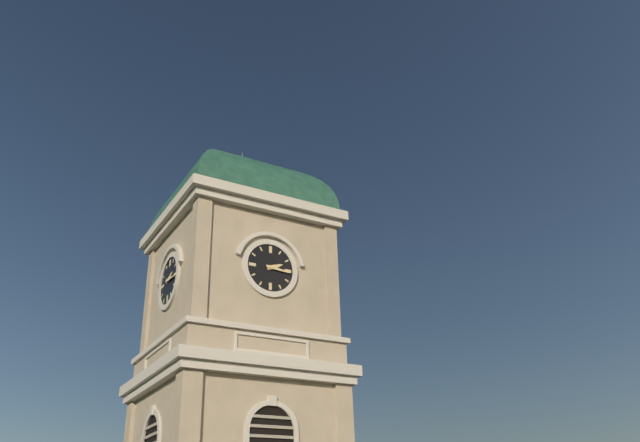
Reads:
h=2 m=16
